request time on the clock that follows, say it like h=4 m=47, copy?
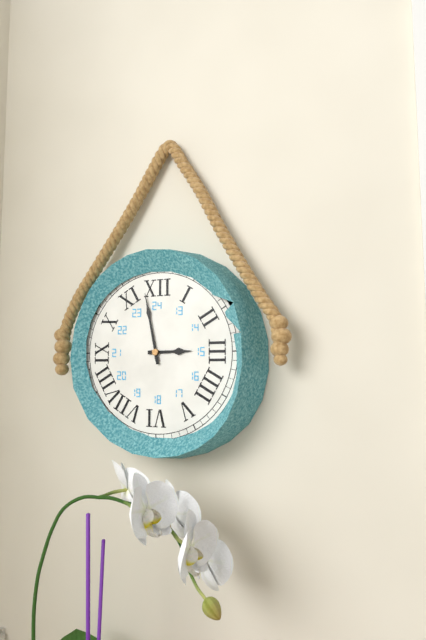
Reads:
h=2 m=58
